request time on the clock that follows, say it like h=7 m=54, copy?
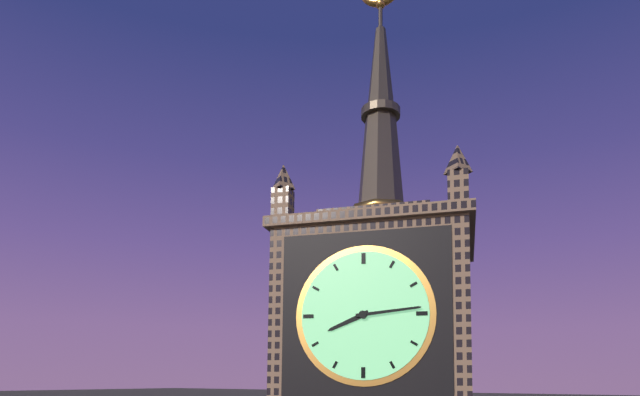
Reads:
h=8 m=14
